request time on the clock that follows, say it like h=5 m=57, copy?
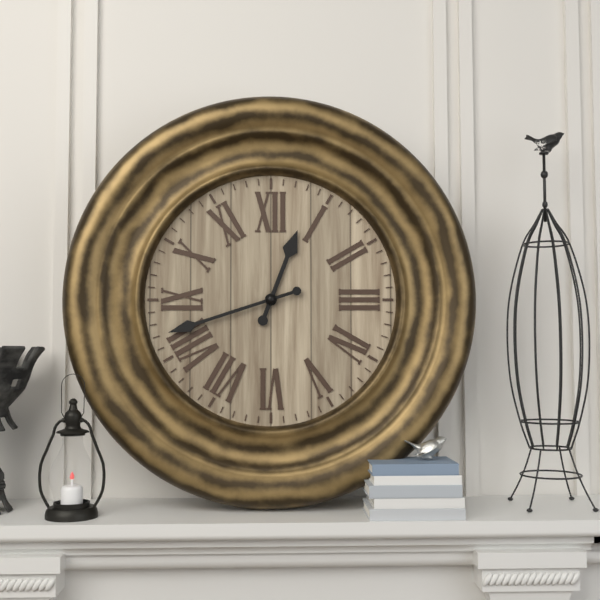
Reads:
h=12 m=42
